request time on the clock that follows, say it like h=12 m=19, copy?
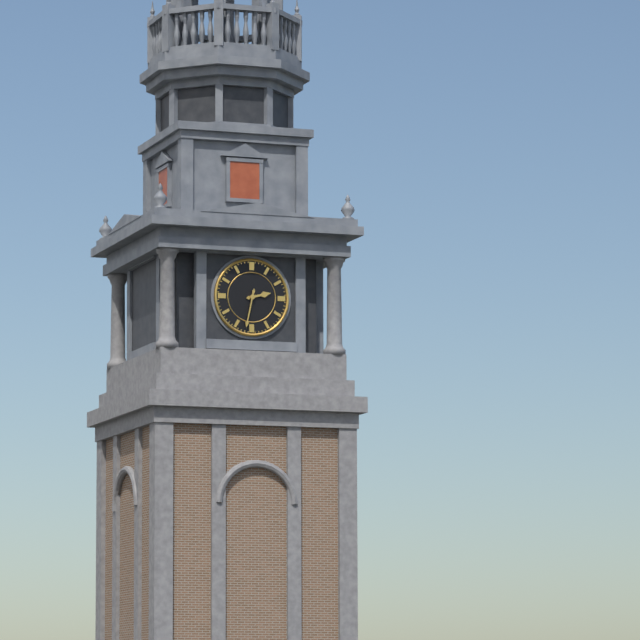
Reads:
h=2 m=32
